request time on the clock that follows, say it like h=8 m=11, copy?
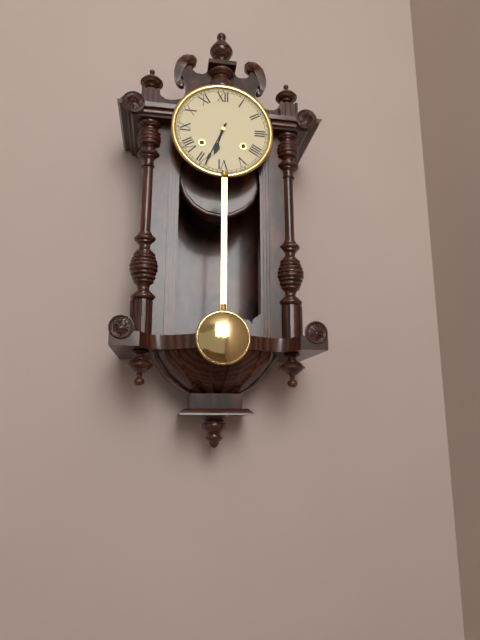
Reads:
h=6 m=34
